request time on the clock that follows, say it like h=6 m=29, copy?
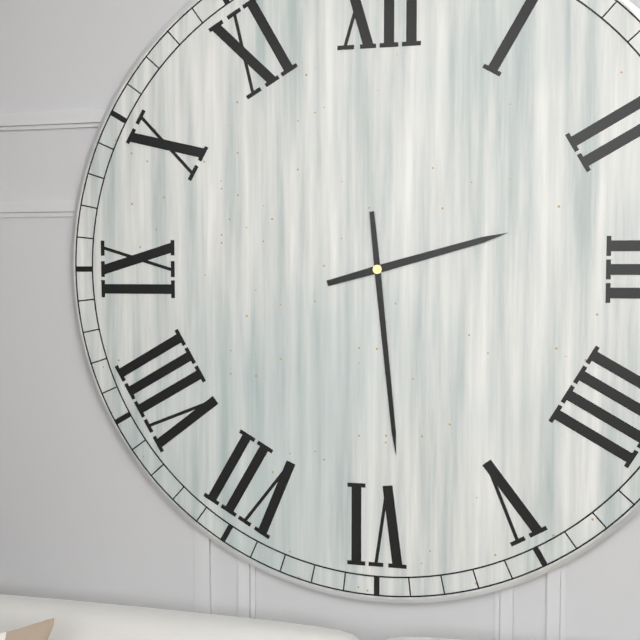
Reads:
h=2 m=29
